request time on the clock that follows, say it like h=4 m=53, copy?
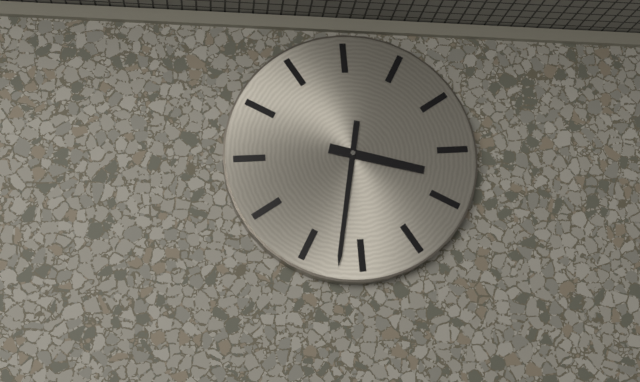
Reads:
h=3 m=32
